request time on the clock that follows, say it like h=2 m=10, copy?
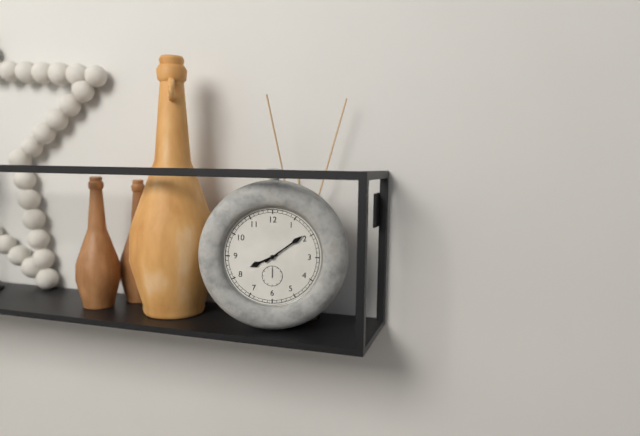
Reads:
h=8 m=9
